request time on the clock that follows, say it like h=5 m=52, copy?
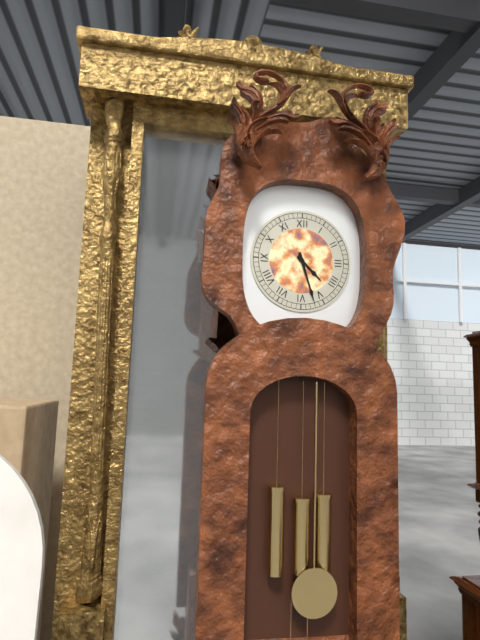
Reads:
h=4 m=27
